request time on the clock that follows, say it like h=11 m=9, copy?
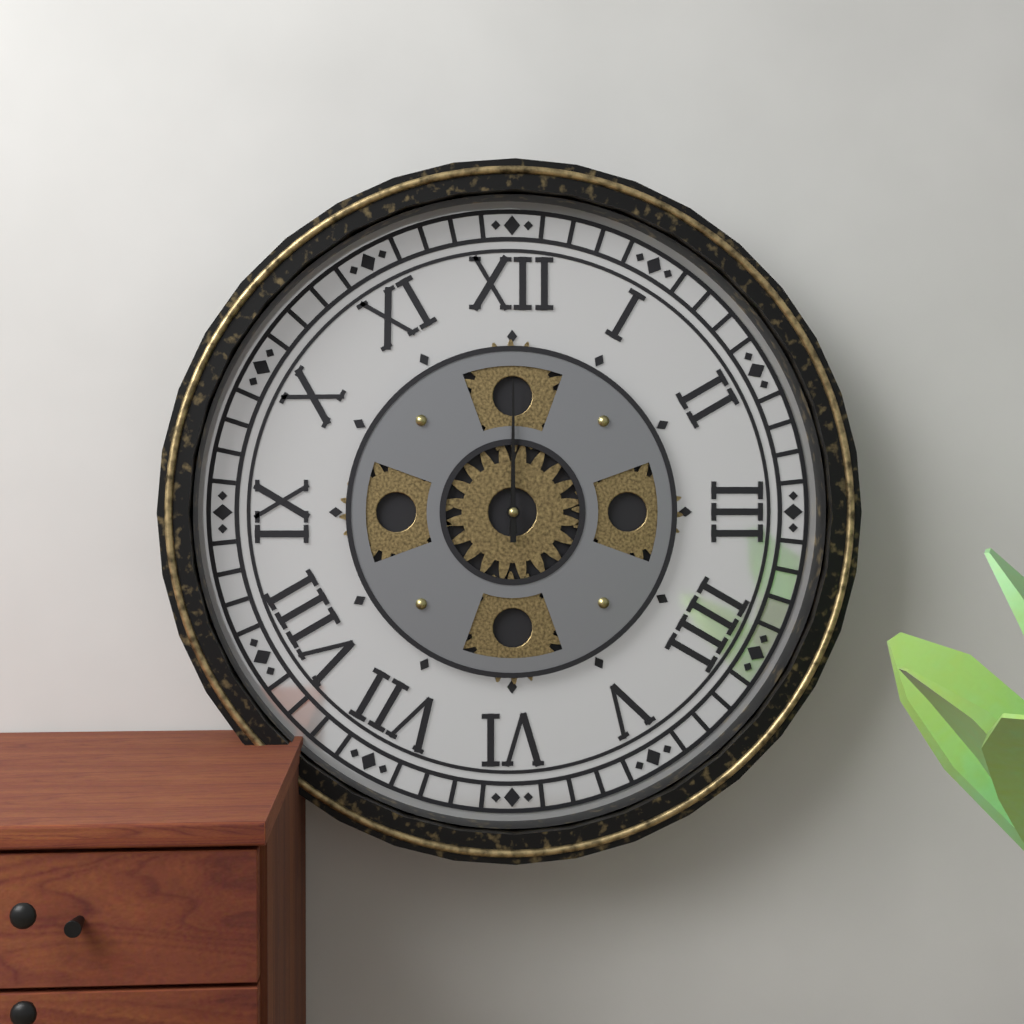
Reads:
h=12 m=0
